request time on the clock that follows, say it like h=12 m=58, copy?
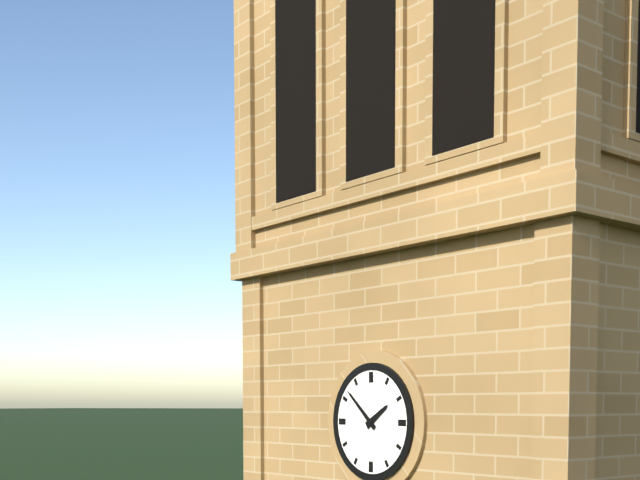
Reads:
h=1 m=52
